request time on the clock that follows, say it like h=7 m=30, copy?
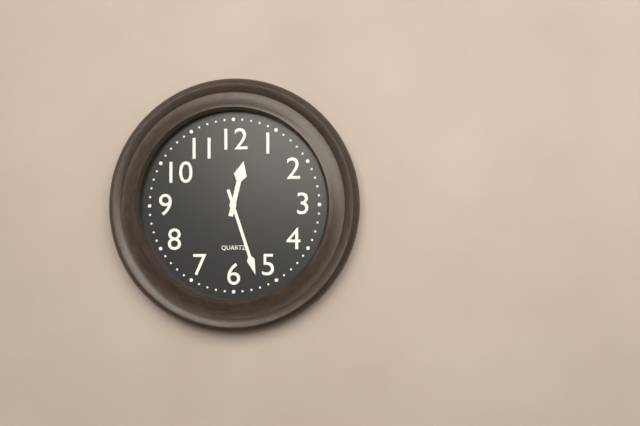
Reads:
h=12 m=27
